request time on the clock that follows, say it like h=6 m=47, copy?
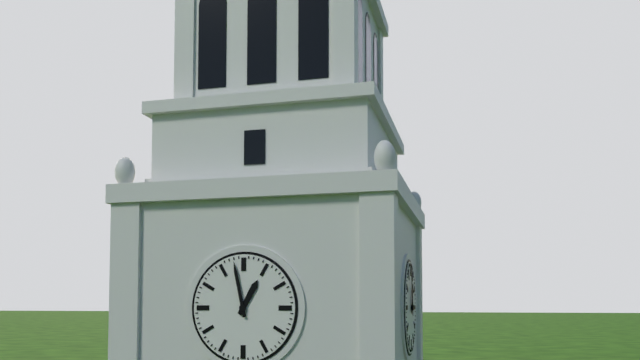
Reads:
h=12 m=58
